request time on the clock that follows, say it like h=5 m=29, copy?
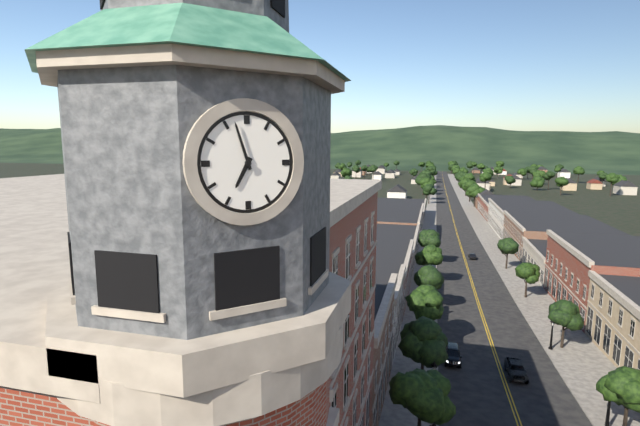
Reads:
h=6 m=57
